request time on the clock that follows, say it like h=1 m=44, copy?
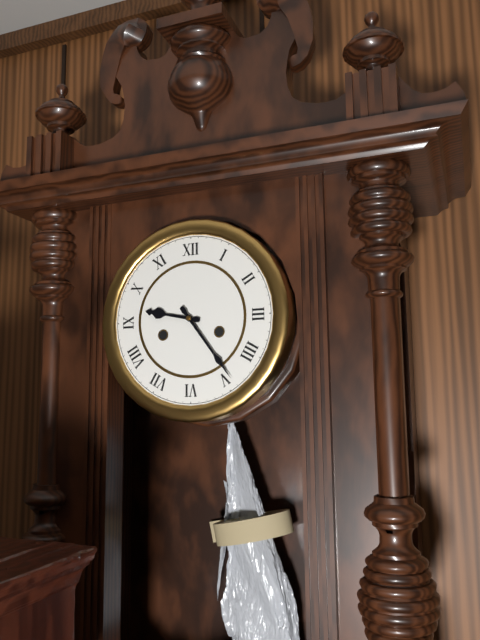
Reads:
h=9 m=24
